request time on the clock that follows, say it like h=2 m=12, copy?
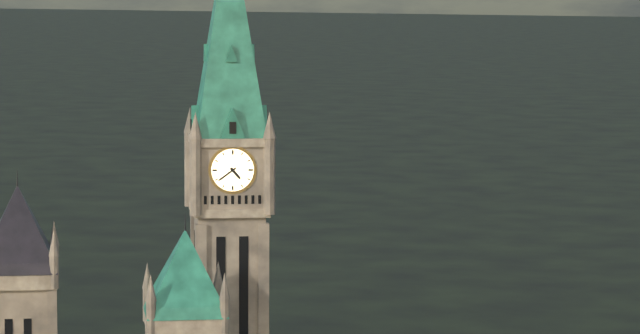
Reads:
h=4 m=39
